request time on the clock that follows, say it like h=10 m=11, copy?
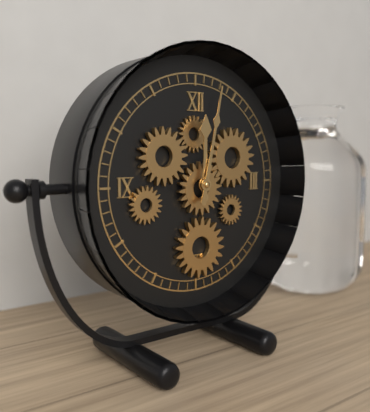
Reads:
h=12 m=2
